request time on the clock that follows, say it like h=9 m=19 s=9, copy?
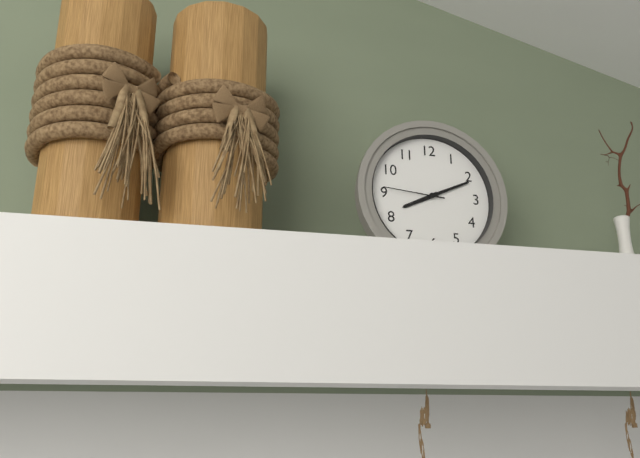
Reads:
h=8 m=11 s=46
